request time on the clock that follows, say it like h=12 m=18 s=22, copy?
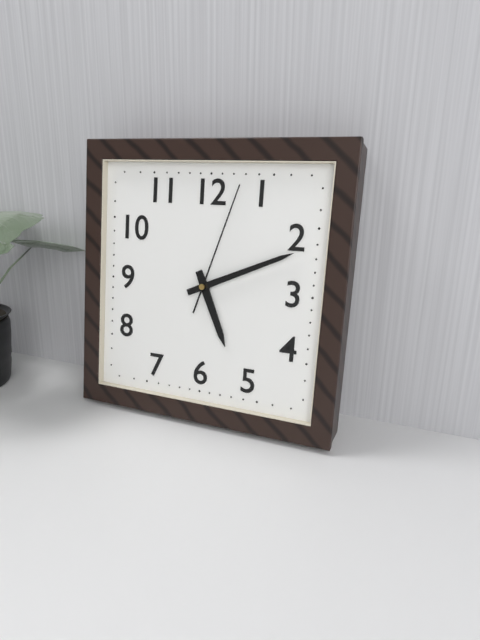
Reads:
h=5 m=11 s=3
